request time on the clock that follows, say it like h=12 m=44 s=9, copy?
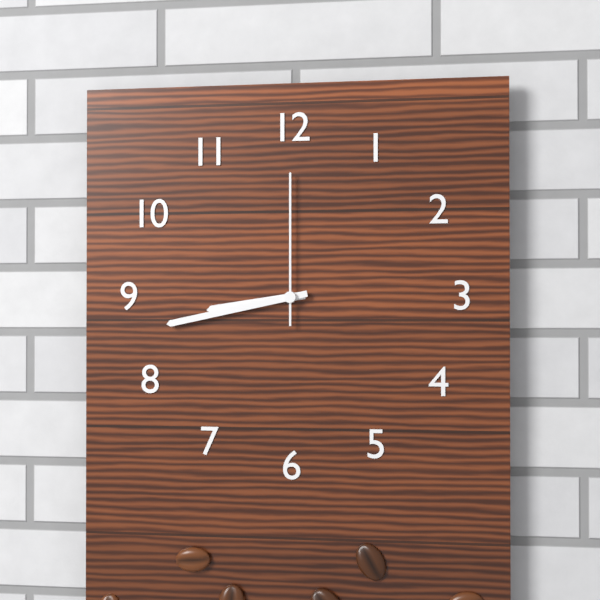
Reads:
h=8 m=43 s=0
